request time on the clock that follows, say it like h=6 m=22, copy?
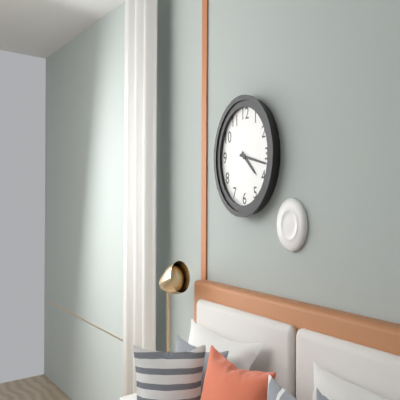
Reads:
h=4 m=17
